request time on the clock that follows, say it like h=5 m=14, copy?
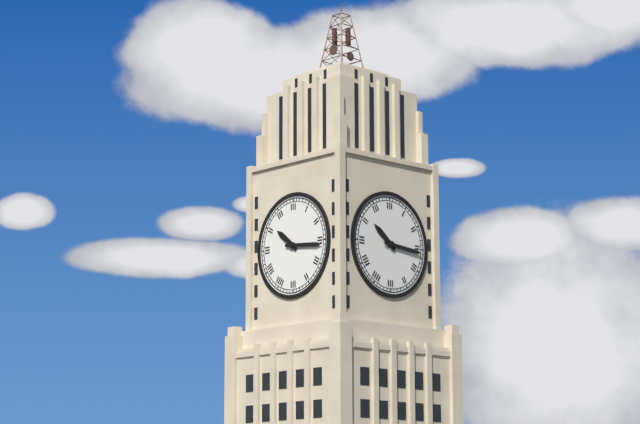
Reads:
h=10 m=16
